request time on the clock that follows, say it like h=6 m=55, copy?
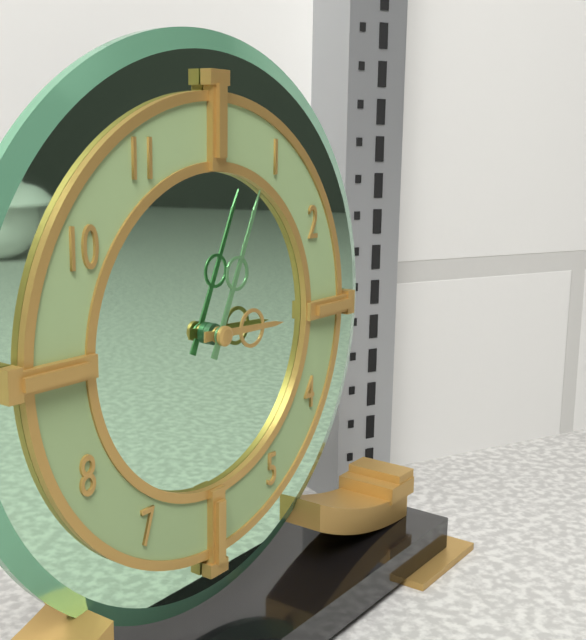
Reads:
h=3 m=4
